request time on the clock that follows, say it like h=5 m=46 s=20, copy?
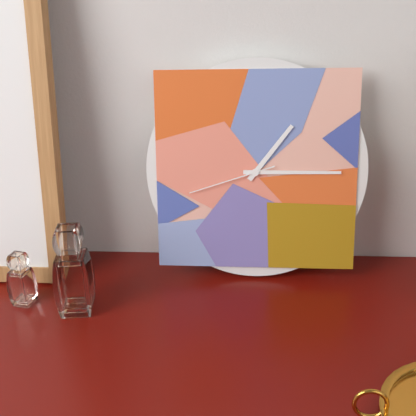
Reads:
h=1 m=15 s=42
